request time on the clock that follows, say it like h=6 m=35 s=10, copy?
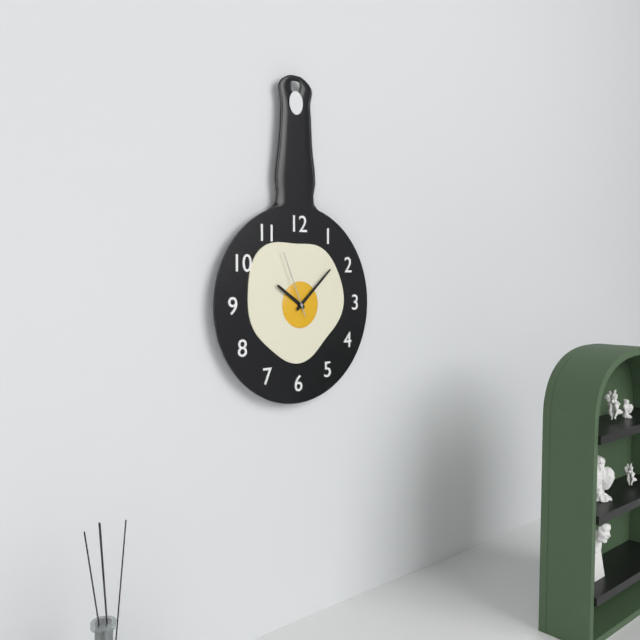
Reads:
h=10 m=8 s=56
